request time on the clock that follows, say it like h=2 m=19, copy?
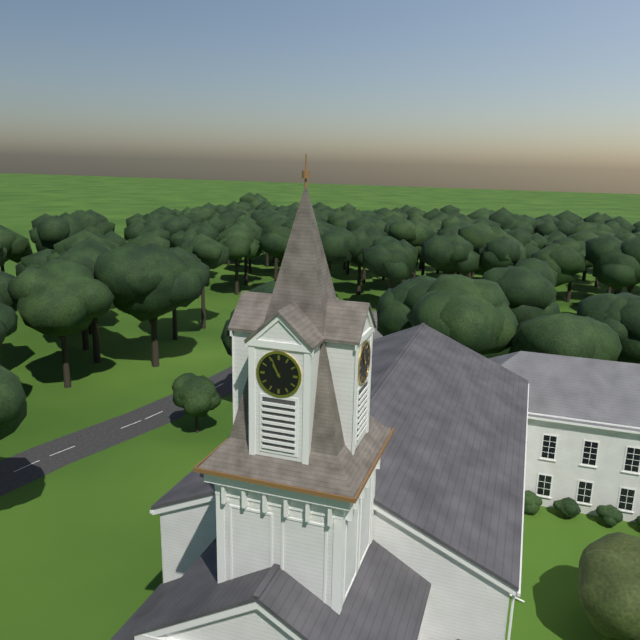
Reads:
h=10 m=56
